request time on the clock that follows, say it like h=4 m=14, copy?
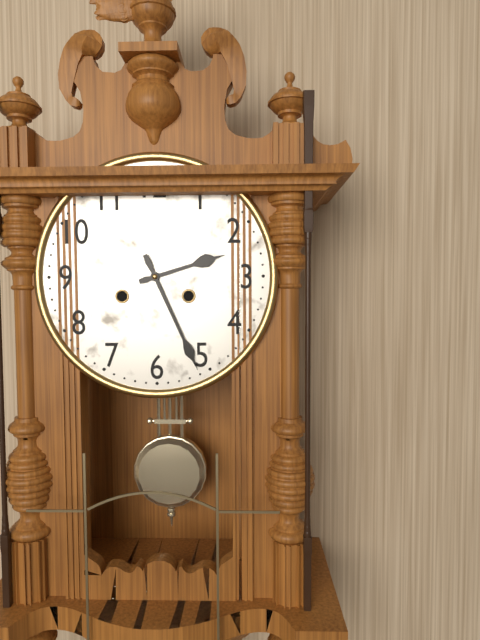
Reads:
h=2 m=26
